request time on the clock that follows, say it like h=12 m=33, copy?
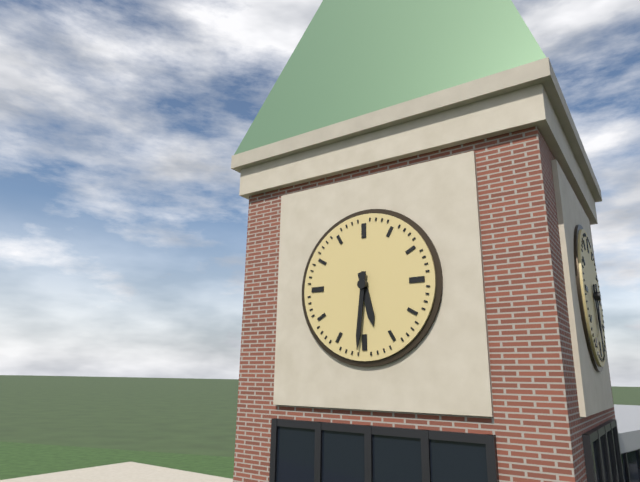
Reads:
h=5 m=31
